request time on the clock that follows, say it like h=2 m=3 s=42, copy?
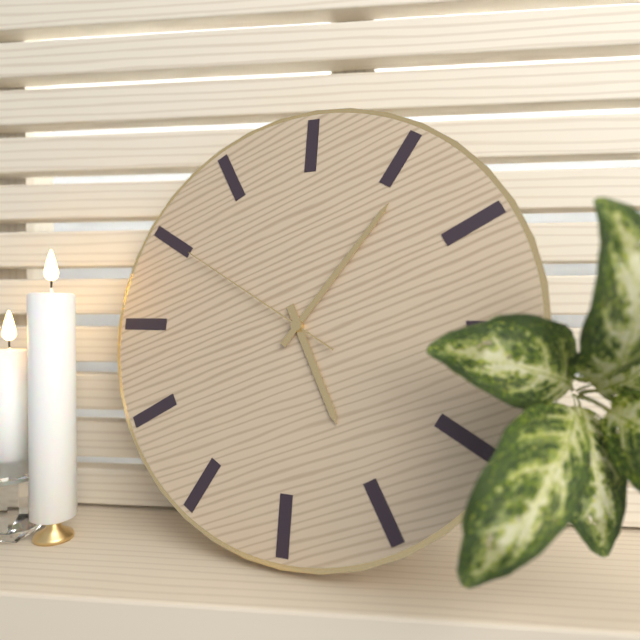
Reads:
h=5 m=6 s=50
